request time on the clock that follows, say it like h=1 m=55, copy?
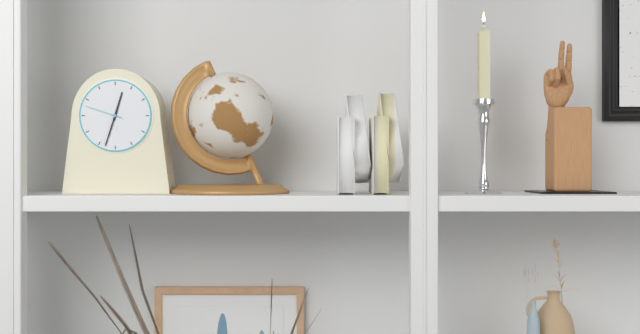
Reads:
h=12 m=33
